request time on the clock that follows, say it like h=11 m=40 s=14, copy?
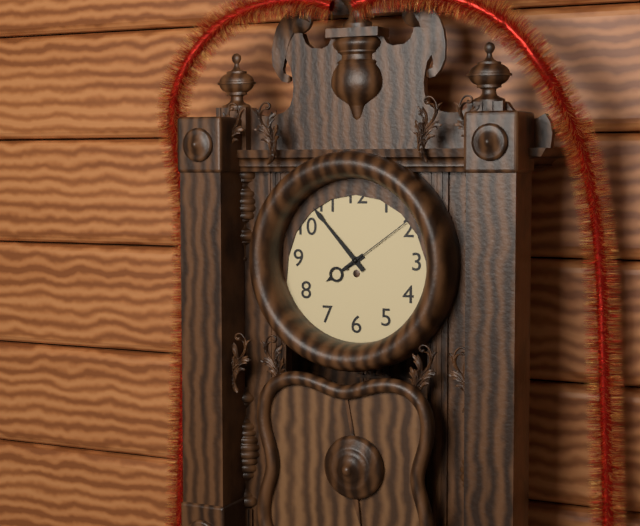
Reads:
h=7 m=53 s=9
